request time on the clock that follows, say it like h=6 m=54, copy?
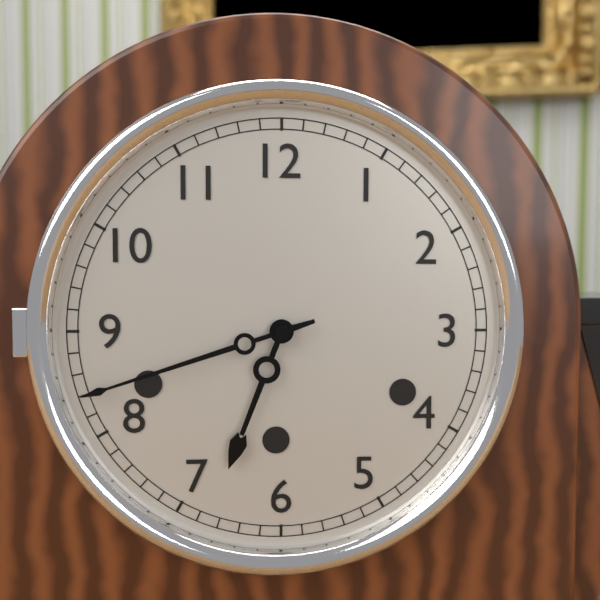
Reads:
h=6 m=42
